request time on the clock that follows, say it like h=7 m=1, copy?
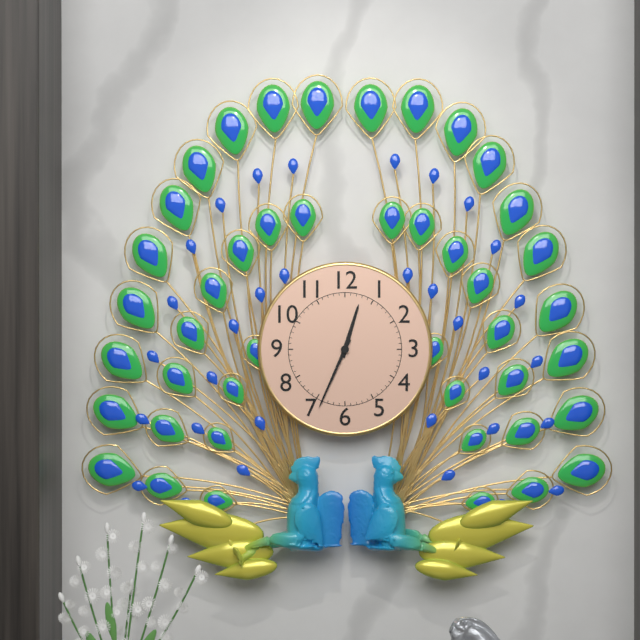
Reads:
h=12 m=34
